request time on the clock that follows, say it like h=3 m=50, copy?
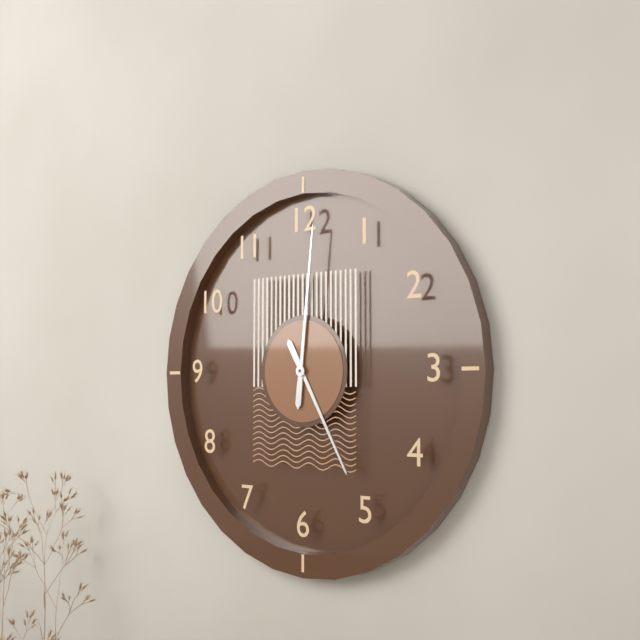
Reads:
h=5 m=1
